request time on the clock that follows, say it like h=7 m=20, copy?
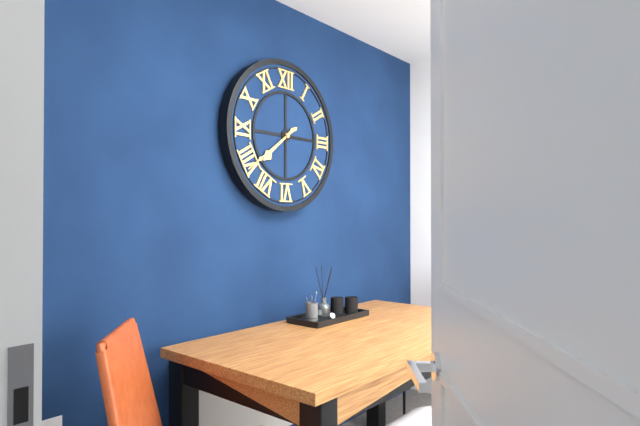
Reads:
h=7 m=39
